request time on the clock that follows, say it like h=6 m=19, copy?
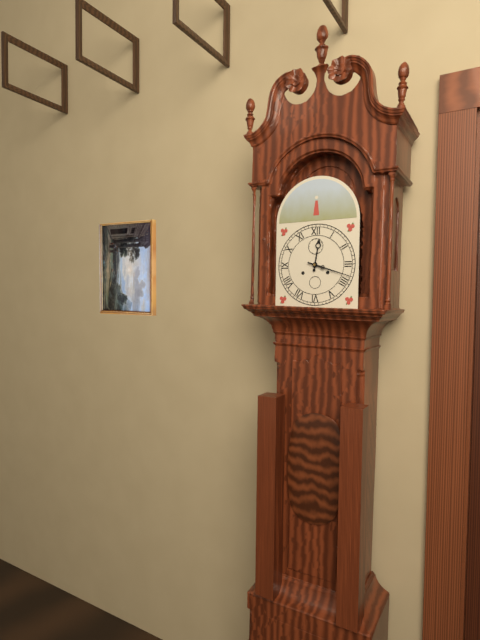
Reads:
h=12 m=18
